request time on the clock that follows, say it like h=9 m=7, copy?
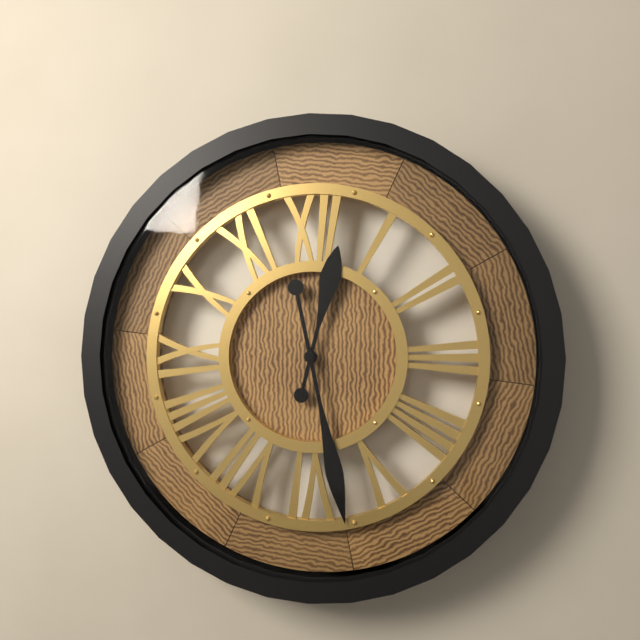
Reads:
h=12 m=28
